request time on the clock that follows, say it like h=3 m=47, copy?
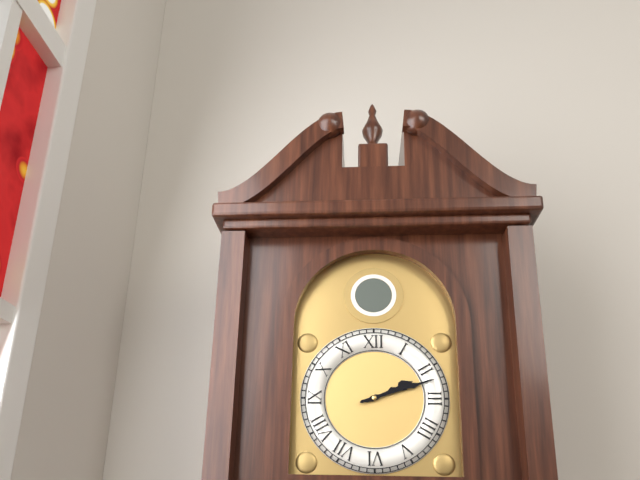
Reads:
h=2 m=12
